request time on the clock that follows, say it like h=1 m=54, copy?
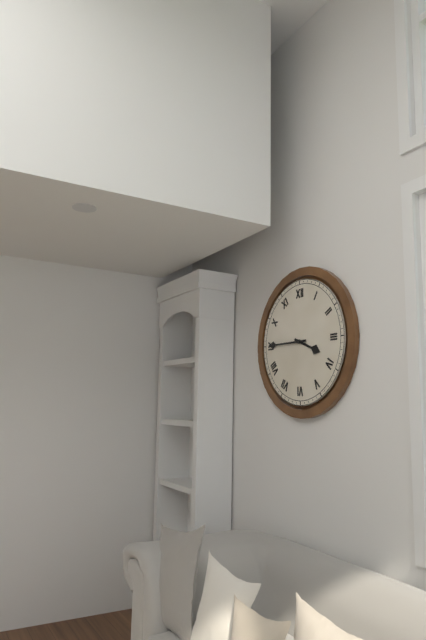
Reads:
h=3 m=45
